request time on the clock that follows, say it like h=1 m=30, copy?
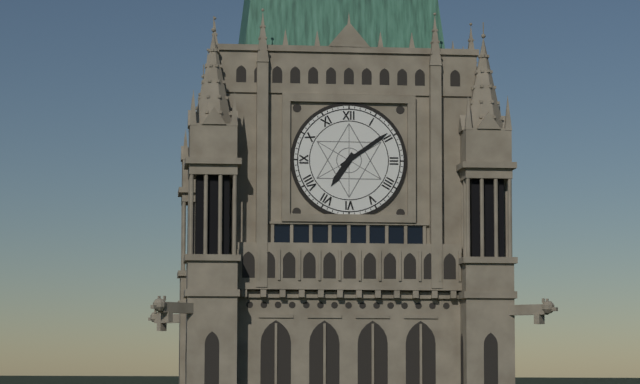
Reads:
h=7 m=9
